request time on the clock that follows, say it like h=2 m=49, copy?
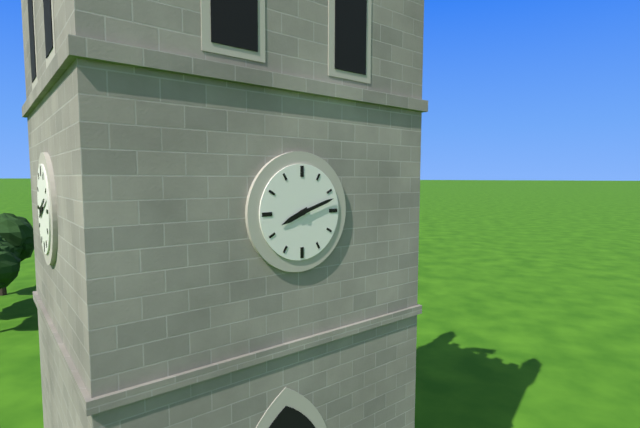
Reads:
h=8 m=12
